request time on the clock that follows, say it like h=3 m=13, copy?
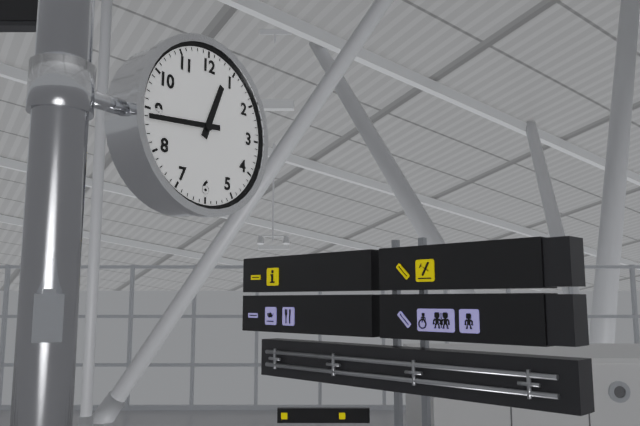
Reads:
h=12 m=44
